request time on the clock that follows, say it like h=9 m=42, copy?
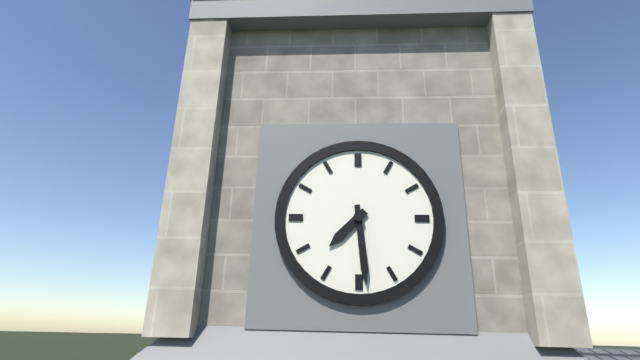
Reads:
h=7 m=29
